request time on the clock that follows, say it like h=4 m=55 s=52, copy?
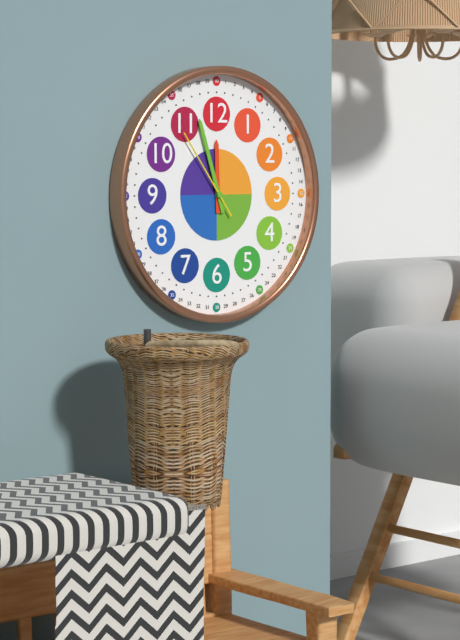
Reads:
h=11 m=57 s=54
